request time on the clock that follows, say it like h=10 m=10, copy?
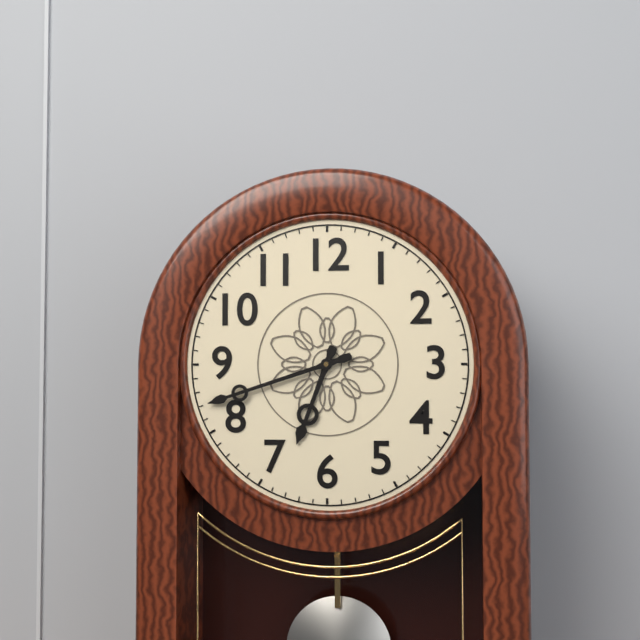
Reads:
h=6 m=42
